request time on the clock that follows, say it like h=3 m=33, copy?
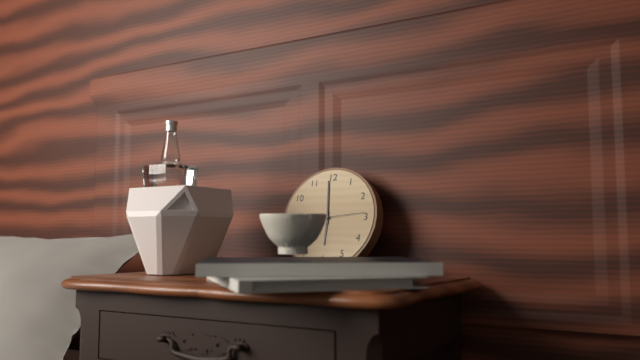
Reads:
h=5 m=59
